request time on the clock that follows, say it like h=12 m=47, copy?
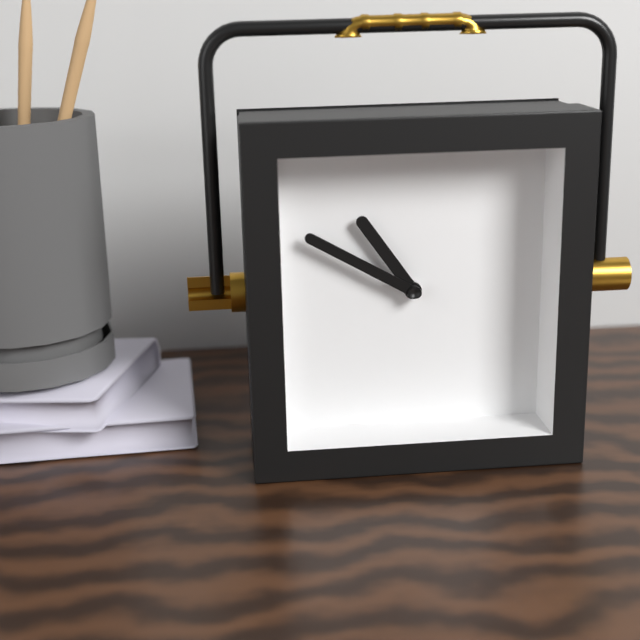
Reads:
h=10 m=50
